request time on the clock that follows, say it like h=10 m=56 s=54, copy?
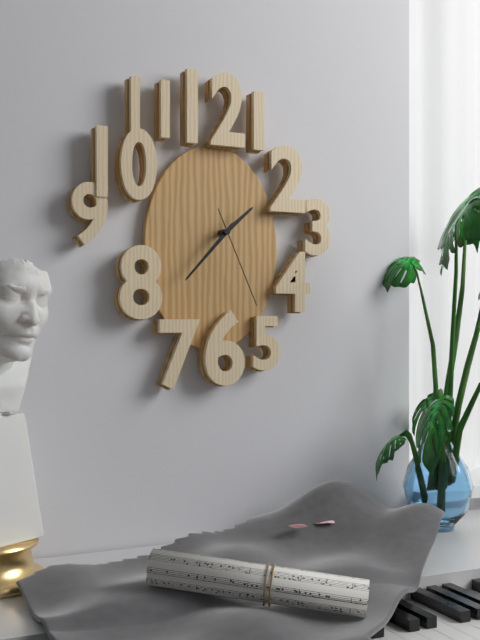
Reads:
h=1 m=37 s=26
